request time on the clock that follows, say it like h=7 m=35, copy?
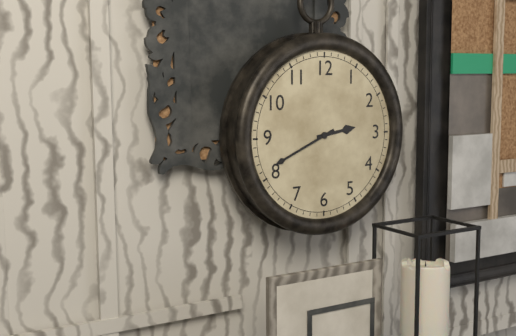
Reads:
h=2 m=41
